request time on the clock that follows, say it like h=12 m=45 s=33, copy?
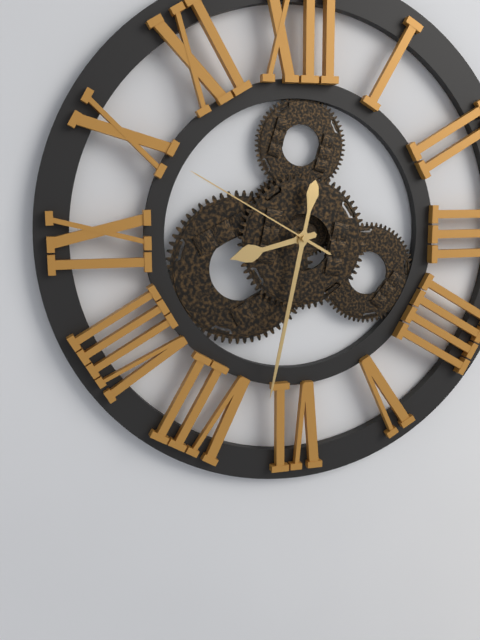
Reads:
h=8 m=32 s=50
